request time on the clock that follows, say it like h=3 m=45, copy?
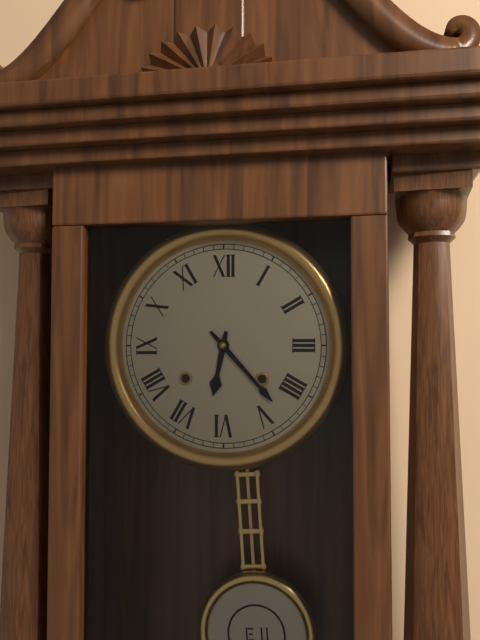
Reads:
h=6 m=23
